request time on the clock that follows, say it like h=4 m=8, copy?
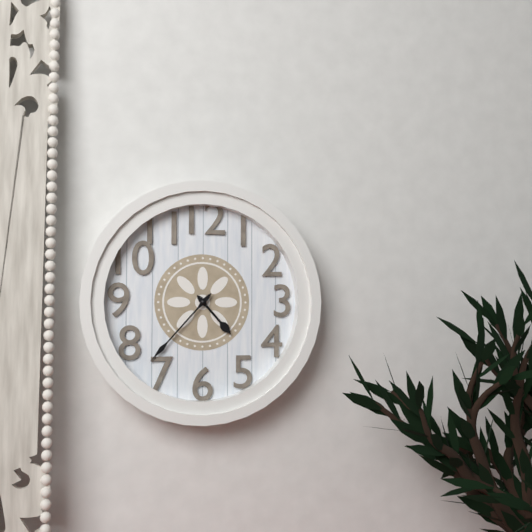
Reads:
h=4 m=37
